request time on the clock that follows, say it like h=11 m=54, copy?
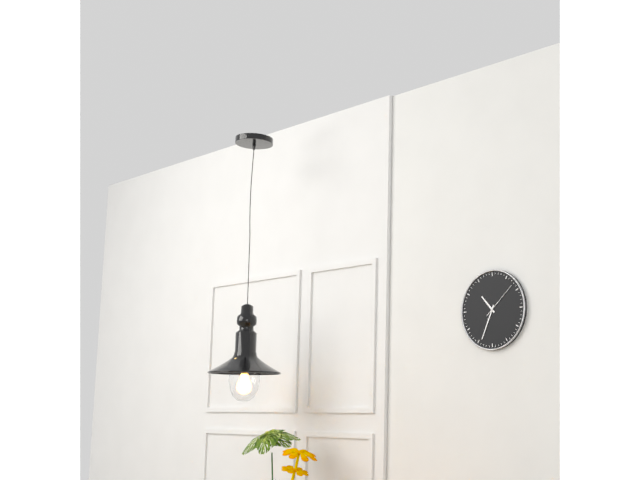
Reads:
h=10 m=34
